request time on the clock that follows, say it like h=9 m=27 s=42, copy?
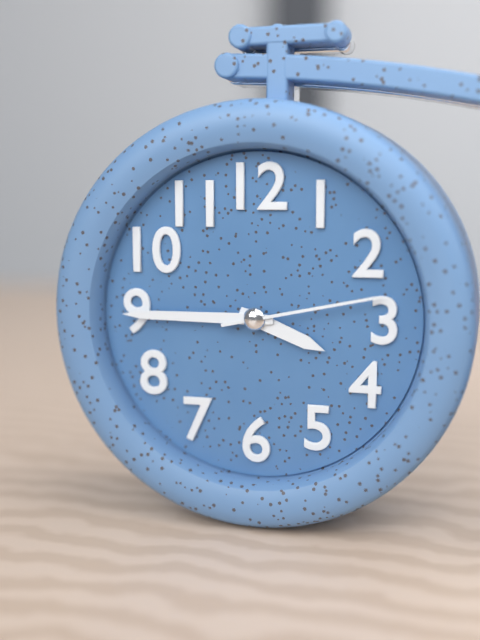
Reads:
h=3 m=45 s=13
